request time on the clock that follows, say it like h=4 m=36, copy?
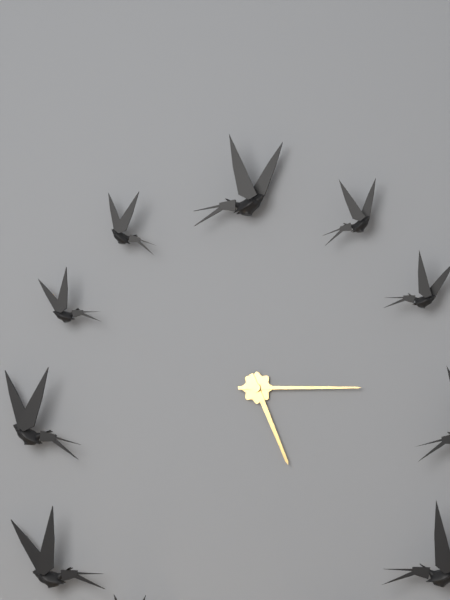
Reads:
h=5 m=15
